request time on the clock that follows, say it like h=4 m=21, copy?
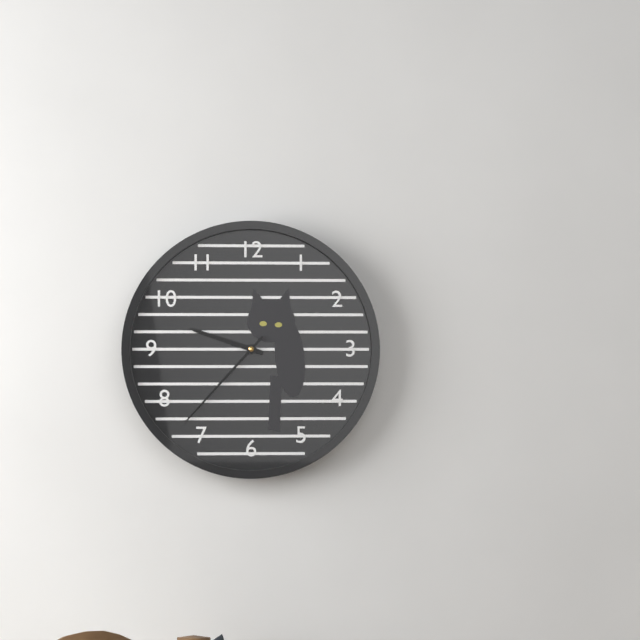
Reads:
h=9 m=37
